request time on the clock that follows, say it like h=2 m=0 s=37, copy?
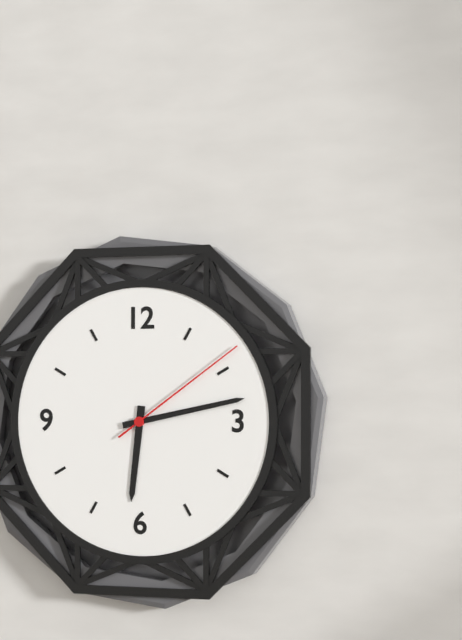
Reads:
h=6 m=13 s=9
